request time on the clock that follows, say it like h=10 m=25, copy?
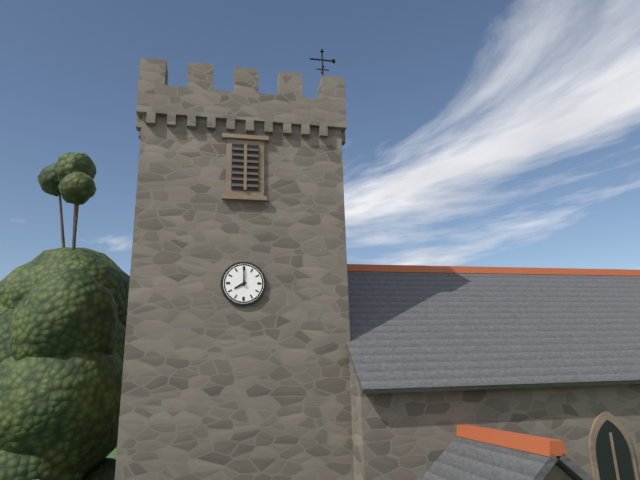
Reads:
h=8 m=0
